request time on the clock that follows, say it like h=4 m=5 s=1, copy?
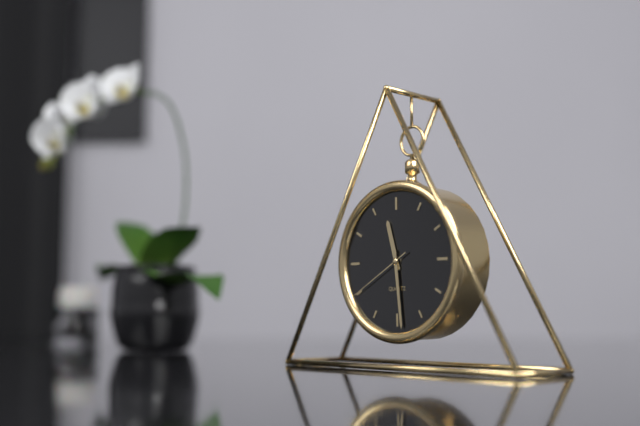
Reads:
h=11 m=29 s=40
